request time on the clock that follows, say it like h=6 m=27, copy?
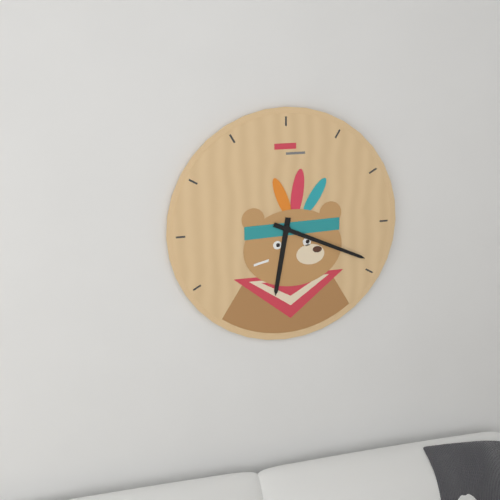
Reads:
h=6 m=19
